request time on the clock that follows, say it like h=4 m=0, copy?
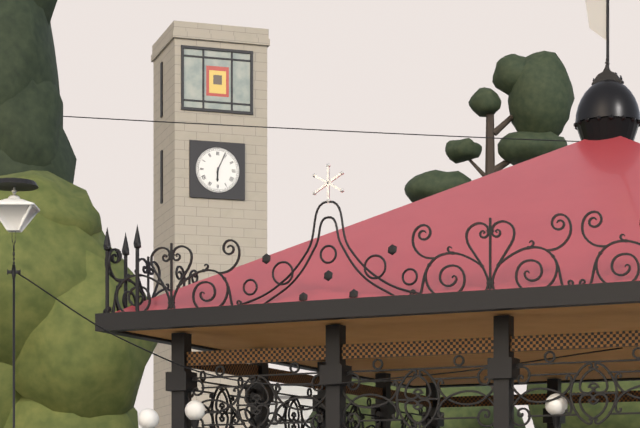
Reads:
h=6 m=4
